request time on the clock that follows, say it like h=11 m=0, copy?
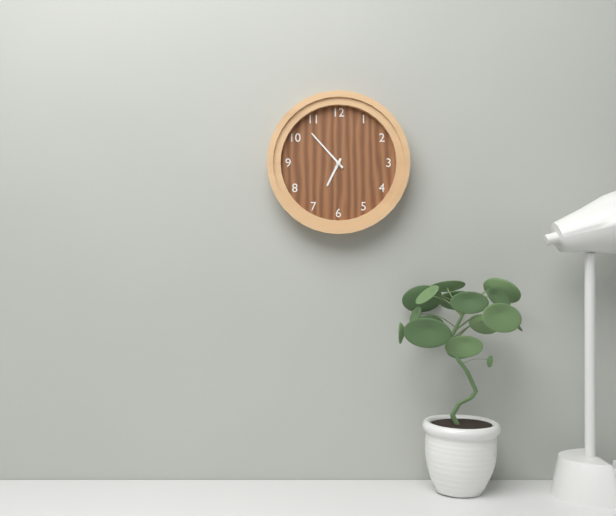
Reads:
h=6 m=53
